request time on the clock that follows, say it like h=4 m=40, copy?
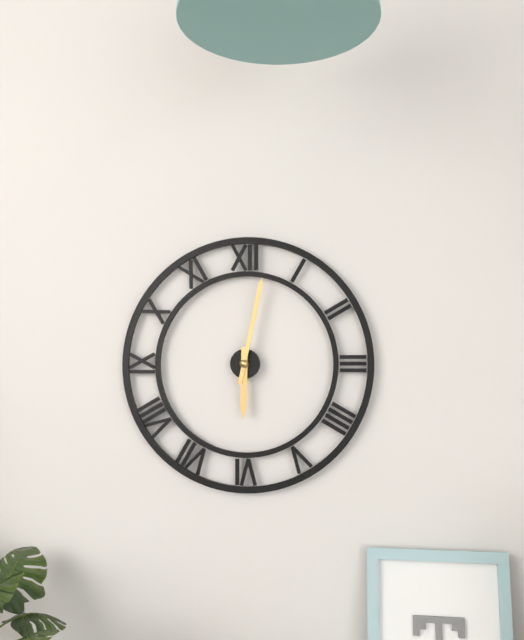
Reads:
h=6 m=2
